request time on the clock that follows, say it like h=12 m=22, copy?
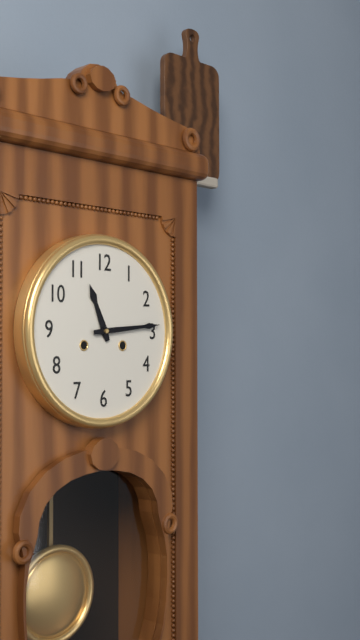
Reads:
h=11 m=14
